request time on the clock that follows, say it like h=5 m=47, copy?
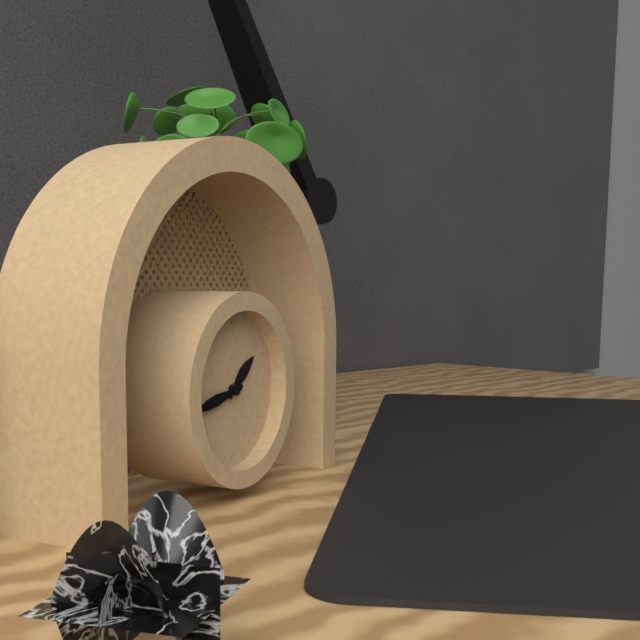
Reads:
h=1 m=43
